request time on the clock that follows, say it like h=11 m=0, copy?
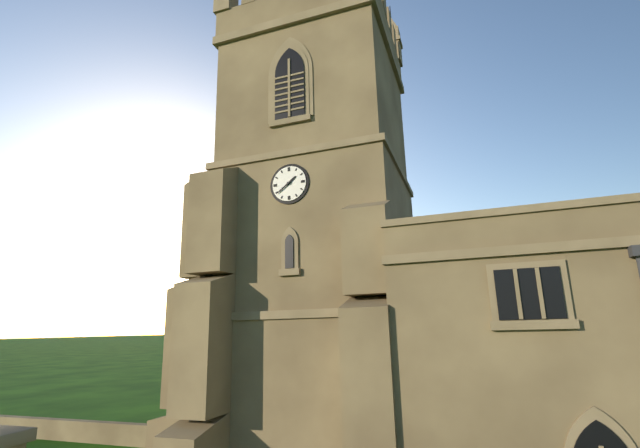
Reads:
h=1 m=39
